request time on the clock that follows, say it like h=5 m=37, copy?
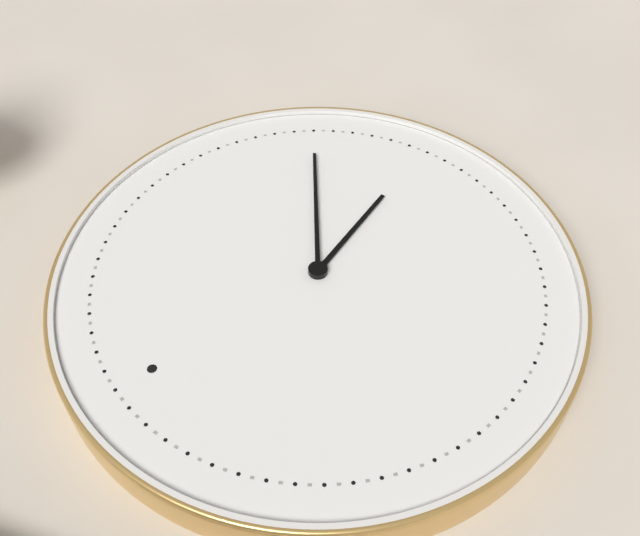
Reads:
h=5 m=21
